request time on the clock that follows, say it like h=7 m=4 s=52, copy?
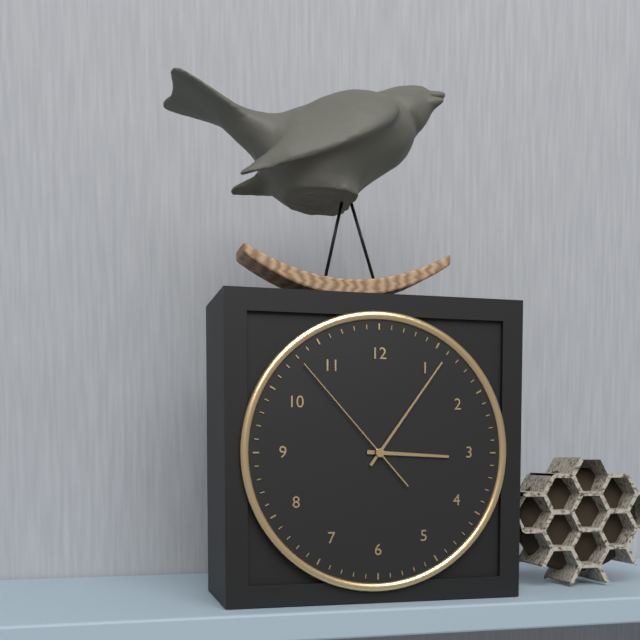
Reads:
h=3 m=6 s=53
